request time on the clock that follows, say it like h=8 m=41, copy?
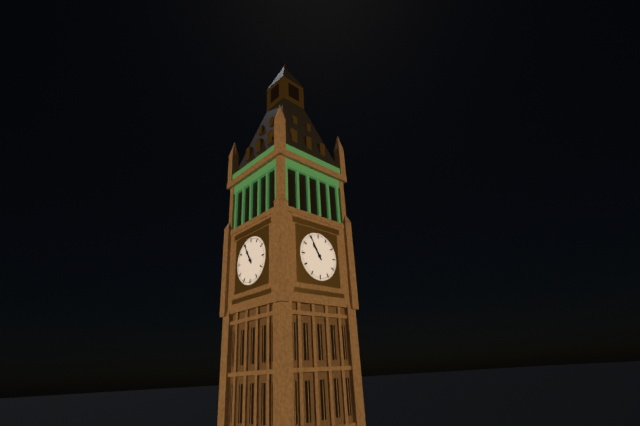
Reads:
h=10 m=55
